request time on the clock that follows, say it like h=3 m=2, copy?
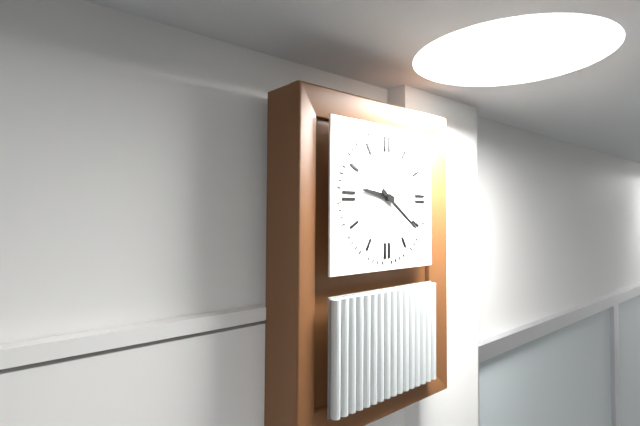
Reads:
h=9 m=21
